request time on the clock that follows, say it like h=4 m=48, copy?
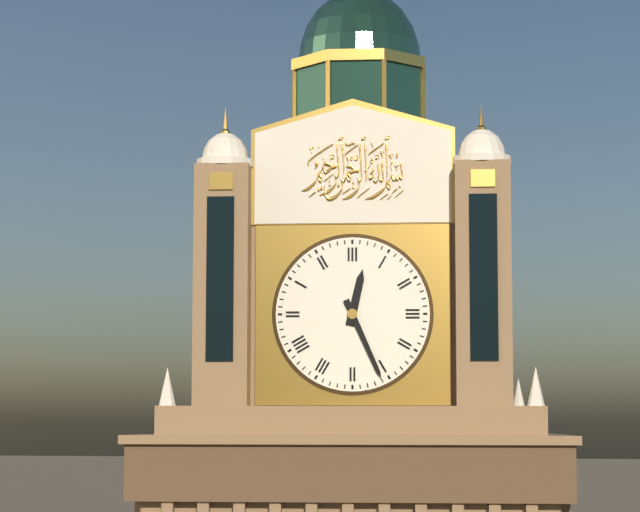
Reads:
h=12 m=26
